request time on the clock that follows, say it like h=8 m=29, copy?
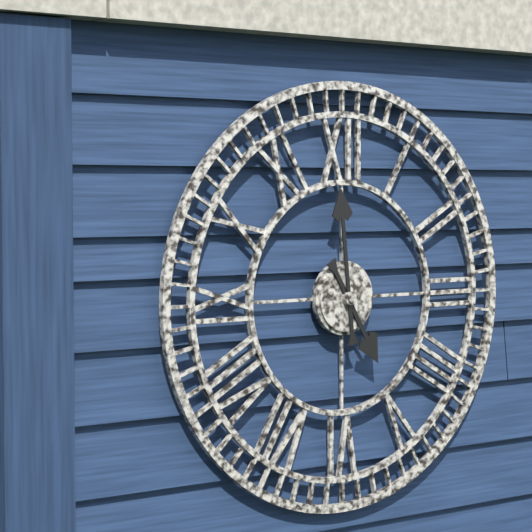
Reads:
h=4 m=59
